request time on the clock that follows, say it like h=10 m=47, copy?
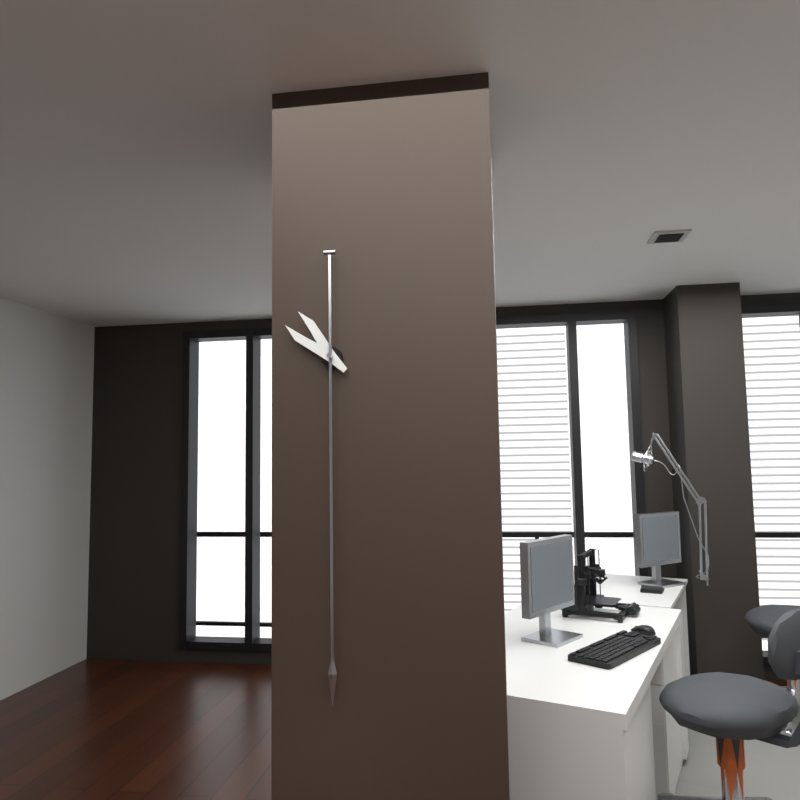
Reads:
h=10 m=30
